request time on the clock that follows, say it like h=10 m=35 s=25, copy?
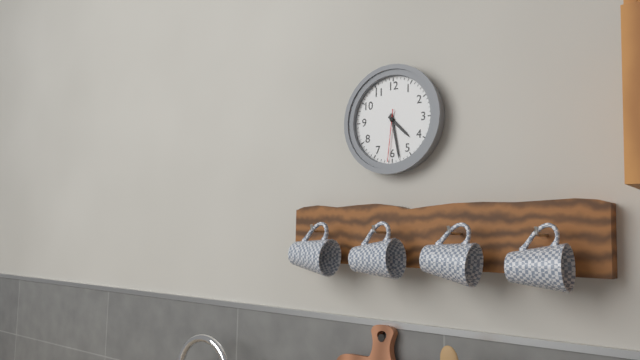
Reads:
h=4 m=28 s=31
